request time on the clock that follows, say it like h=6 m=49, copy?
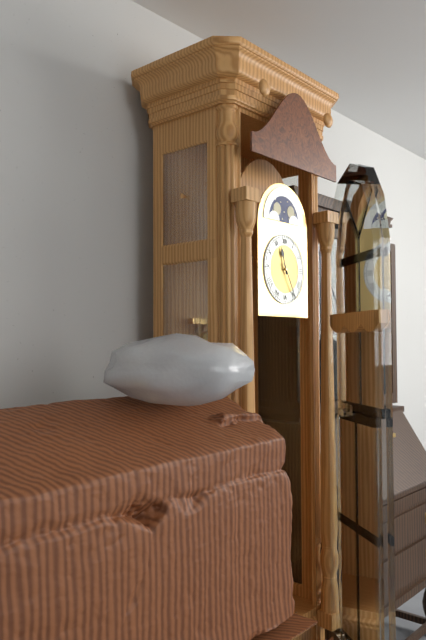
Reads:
h=11 m=25
